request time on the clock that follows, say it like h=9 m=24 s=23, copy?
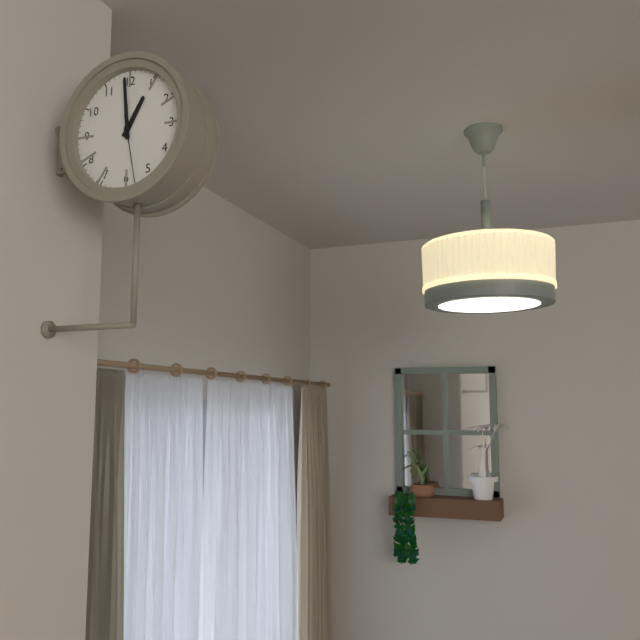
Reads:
h=12 m=59 s=28
